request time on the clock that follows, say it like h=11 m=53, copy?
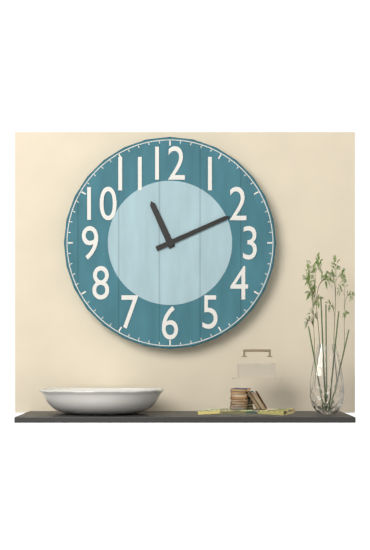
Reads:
h=11 m=11
